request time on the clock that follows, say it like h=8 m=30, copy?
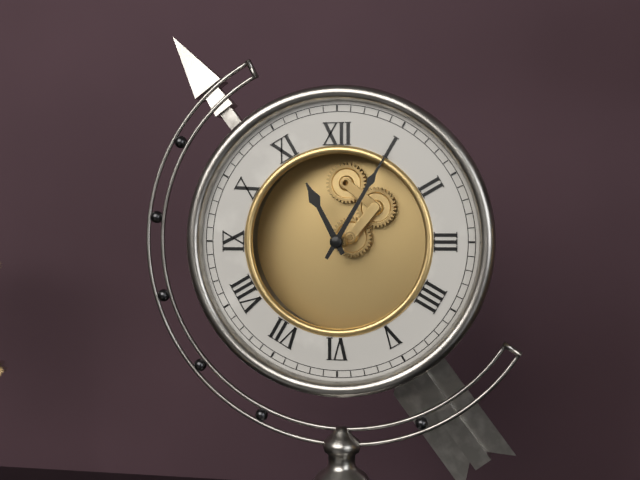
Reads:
h=11 m=5
